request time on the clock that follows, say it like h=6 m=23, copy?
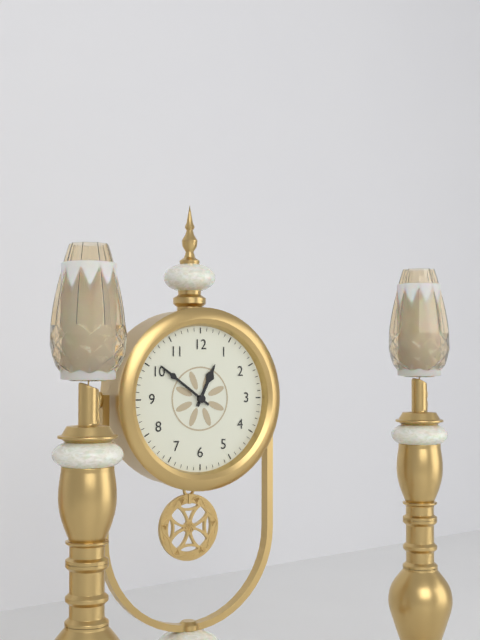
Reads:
h=12 m=51
